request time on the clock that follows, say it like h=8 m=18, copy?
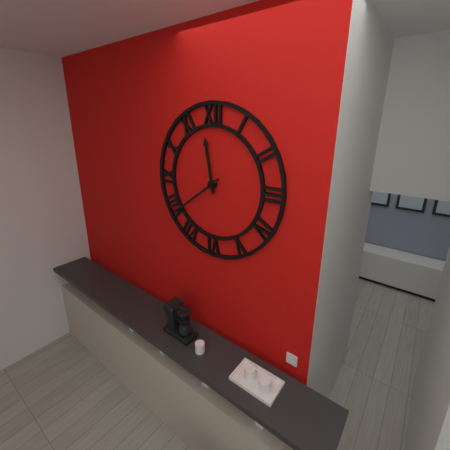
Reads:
h=11 m=39
